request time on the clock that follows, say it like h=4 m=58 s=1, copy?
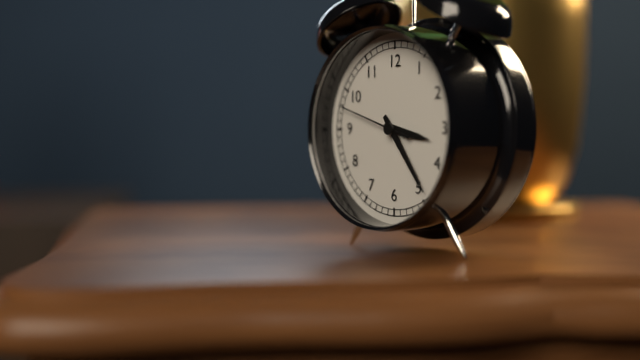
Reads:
h=3 m=24 s=48
